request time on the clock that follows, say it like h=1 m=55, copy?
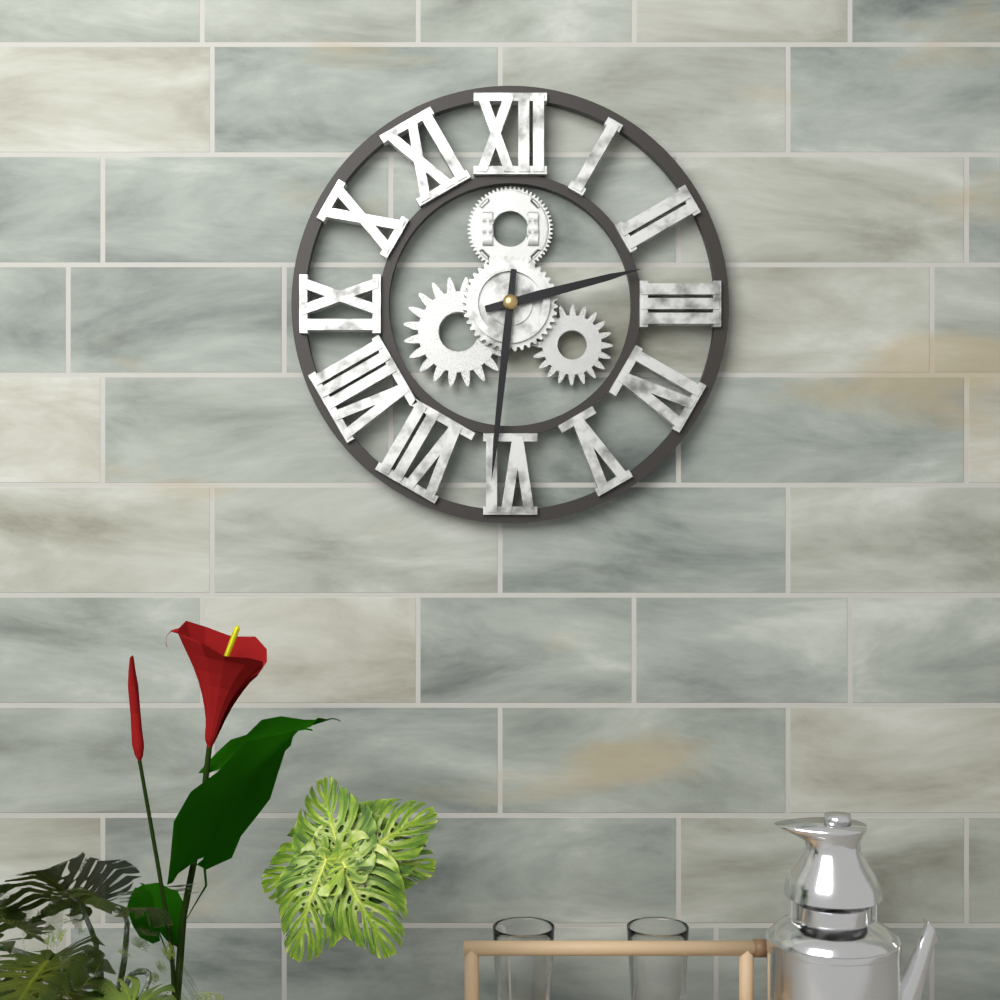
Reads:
h=2 m=31
